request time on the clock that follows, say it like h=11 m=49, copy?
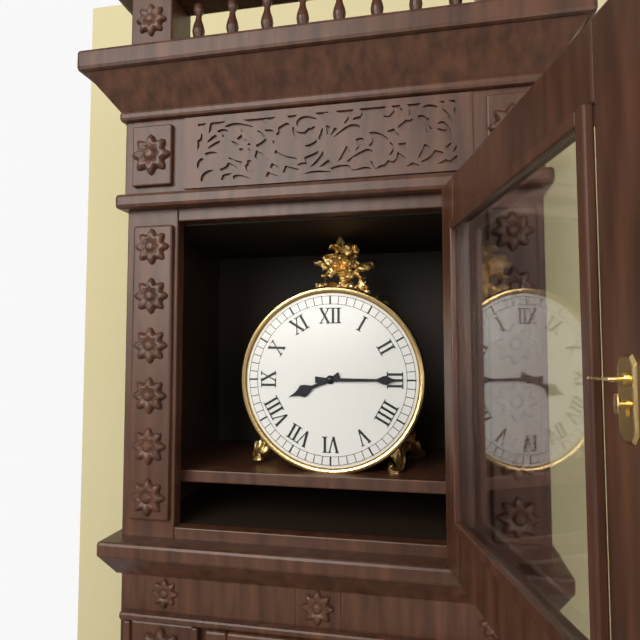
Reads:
h=8 m=15
